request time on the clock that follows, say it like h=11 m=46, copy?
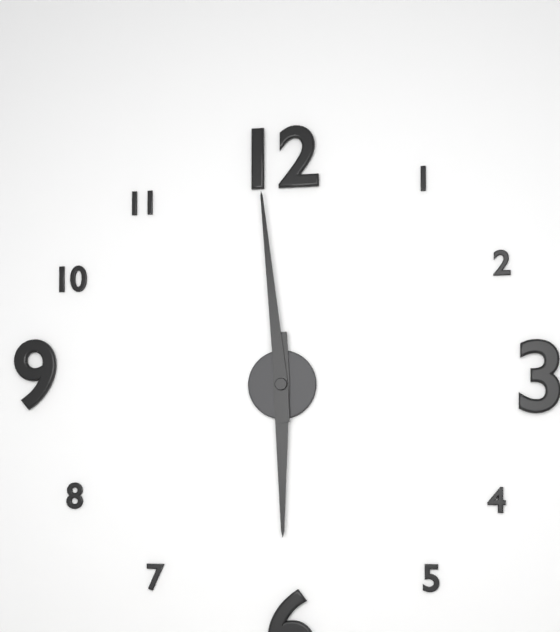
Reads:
h=5 m=59
